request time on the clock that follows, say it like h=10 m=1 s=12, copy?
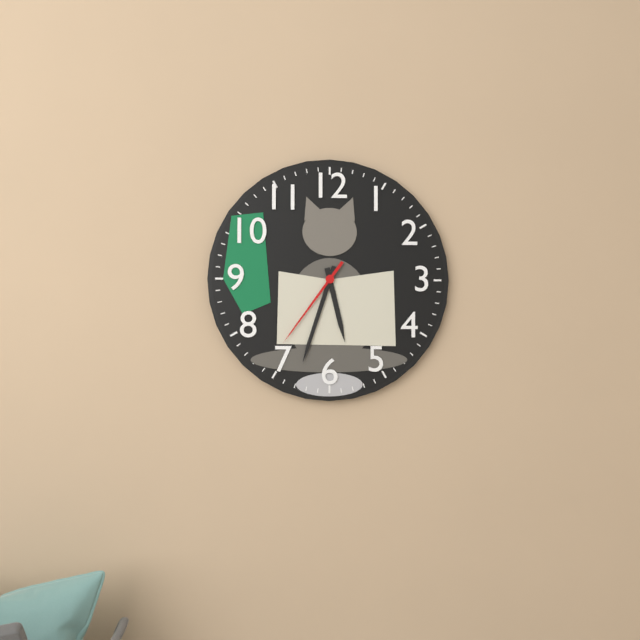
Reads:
h=5 m=33 s=36
